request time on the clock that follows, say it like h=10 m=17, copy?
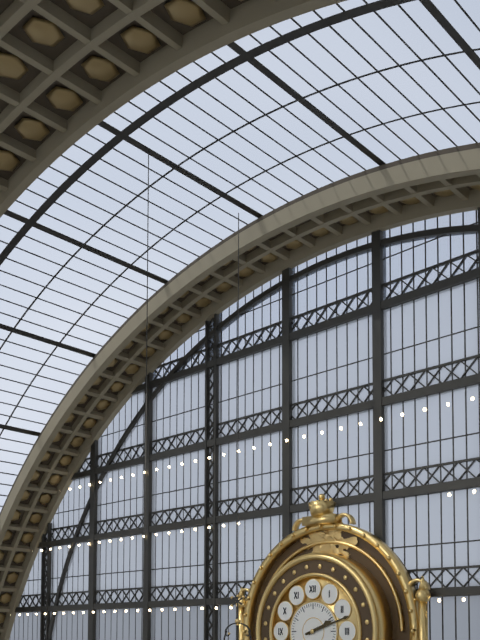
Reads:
h=2 m=12
